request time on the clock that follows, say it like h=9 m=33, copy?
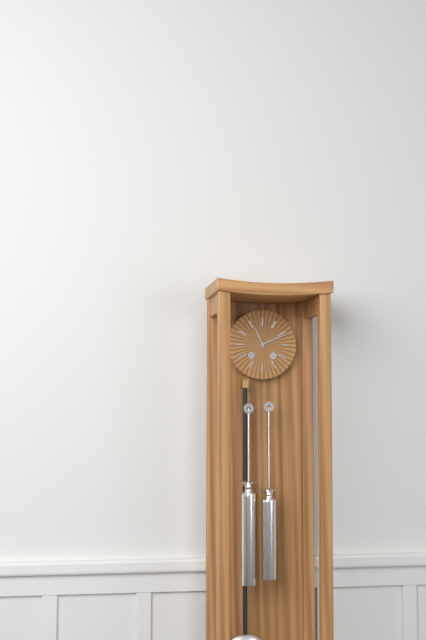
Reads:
h=11 m=11
